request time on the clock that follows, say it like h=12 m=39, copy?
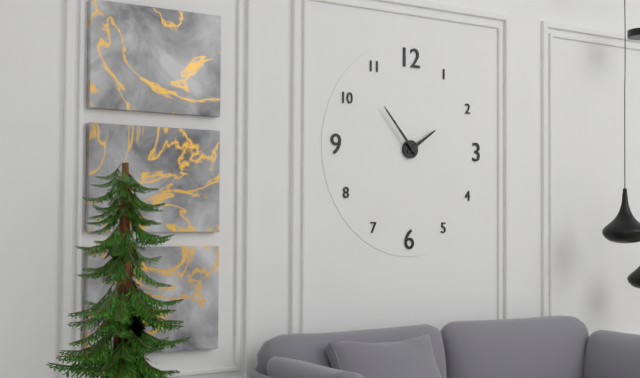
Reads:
h=1 m=53
